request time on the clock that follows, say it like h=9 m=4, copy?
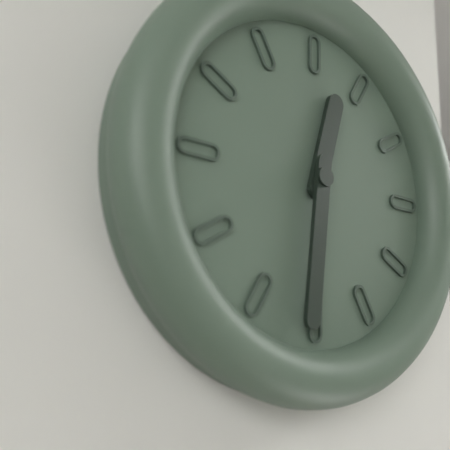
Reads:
h=12 m=31
